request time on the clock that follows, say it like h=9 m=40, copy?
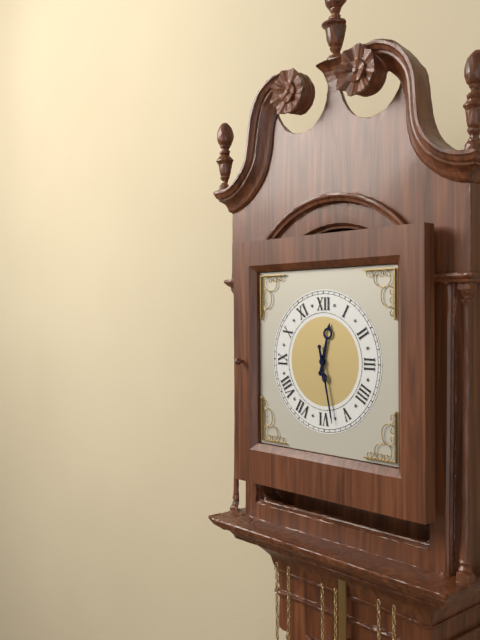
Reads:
h=12 m=28
